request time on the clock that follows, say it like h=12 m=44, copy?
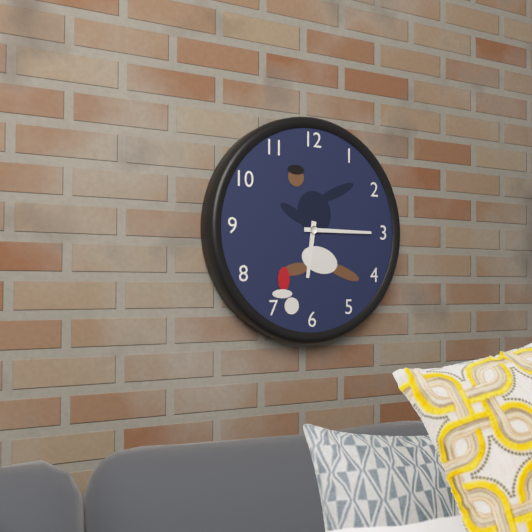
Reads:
h=6 m=15
